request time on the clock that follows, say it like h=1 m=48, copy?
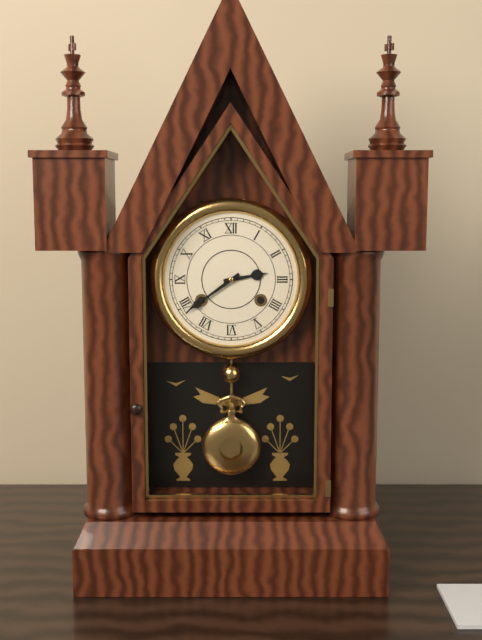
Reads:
h=2 m=39
